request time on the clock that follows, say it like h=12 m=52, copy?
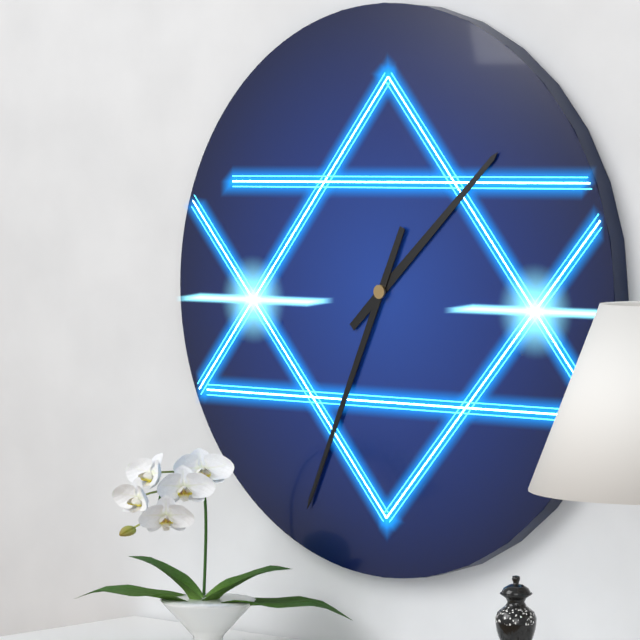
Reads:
h=1 m=34
